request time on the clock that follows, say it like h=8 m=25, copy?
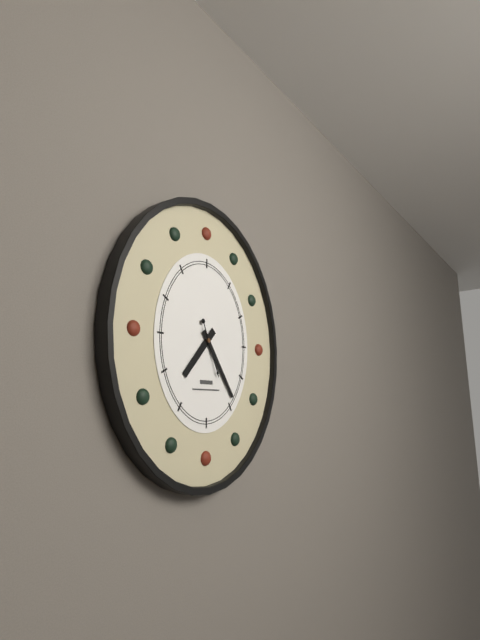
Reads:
h=7 m=24
